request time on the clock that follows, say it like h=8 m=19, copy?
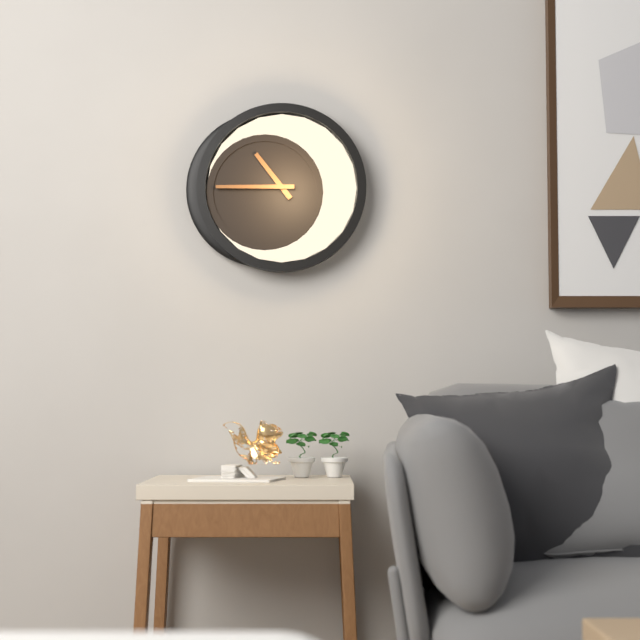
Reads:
h=10 m=45
